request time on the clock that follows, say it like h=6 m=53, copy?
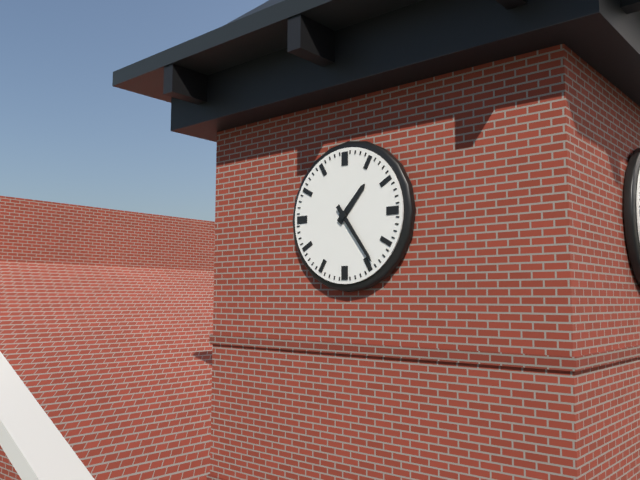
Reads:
h=1 m=24
